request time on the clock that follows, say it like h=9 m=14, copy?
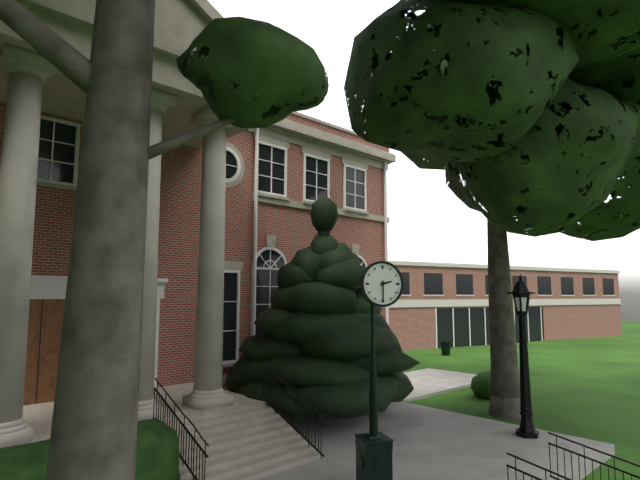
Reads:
h=2 m=30
